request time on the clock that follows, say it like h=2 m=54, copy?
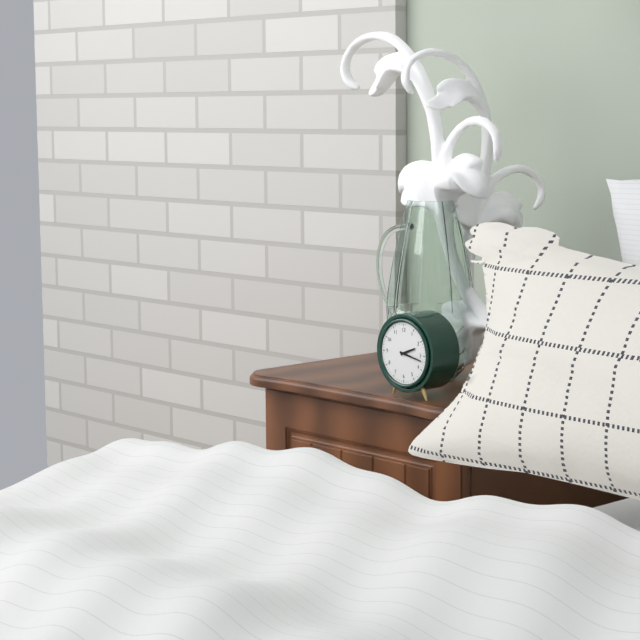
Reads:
h=2 m=17
